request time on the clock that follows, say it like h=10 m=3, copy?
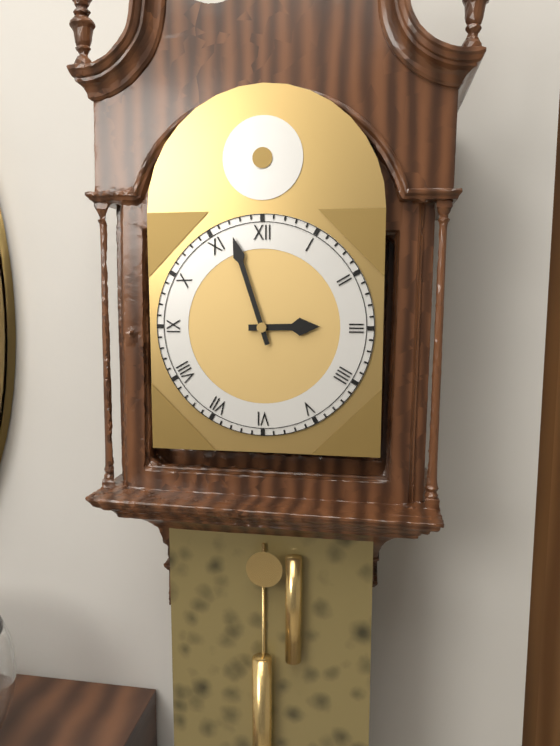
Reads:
h=2 m=57
